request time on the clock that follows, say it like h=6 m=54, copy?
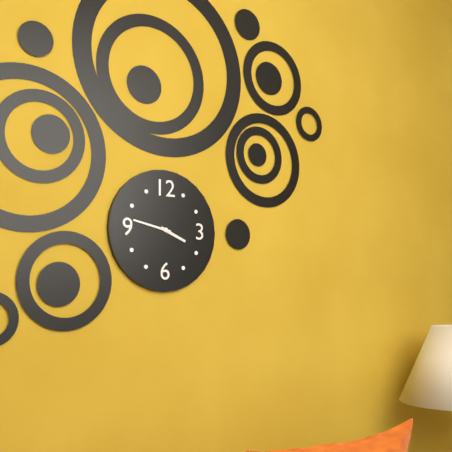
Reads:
h=3 m=47
